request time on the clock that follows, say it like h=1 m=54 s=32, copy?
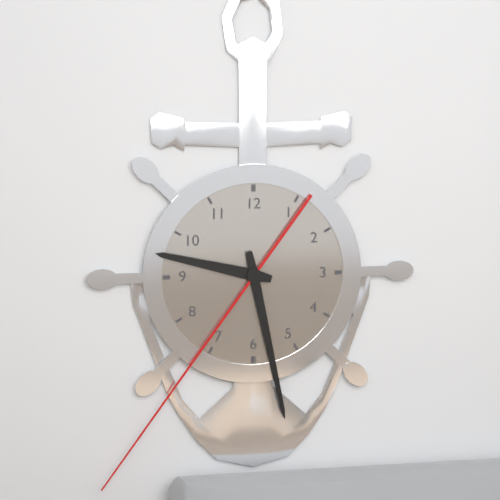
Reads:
h=9 m=28 s=36
